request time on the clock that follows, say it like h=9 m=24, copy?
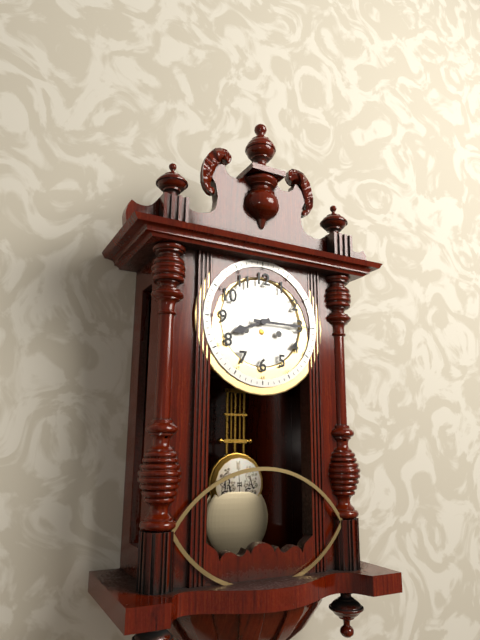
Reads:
h=8 m=15
